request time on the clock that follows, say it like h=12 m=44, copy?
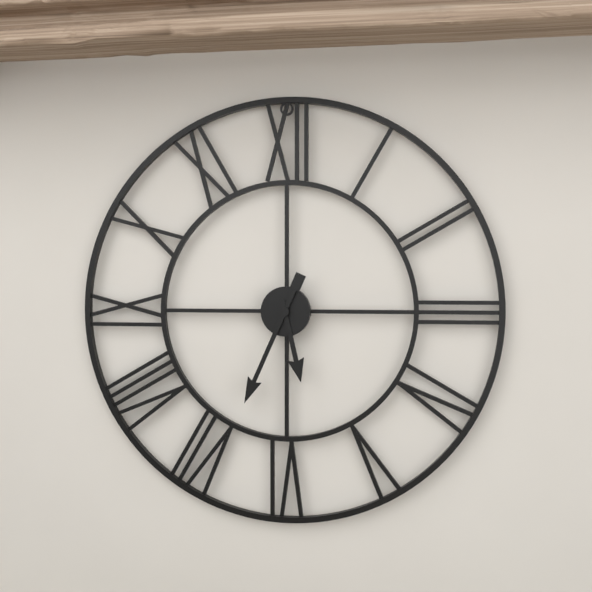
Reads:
h=5 m=34
